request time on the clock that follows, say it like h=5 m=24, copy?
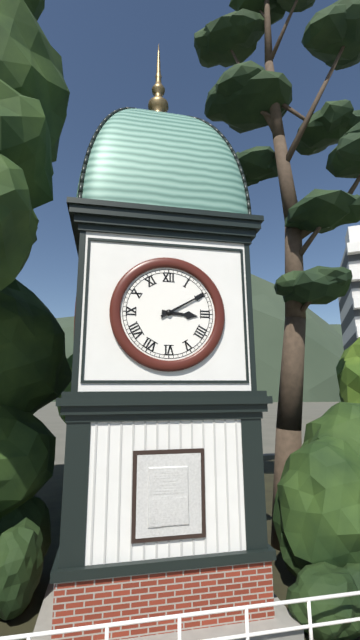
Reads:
h=3 m=10
